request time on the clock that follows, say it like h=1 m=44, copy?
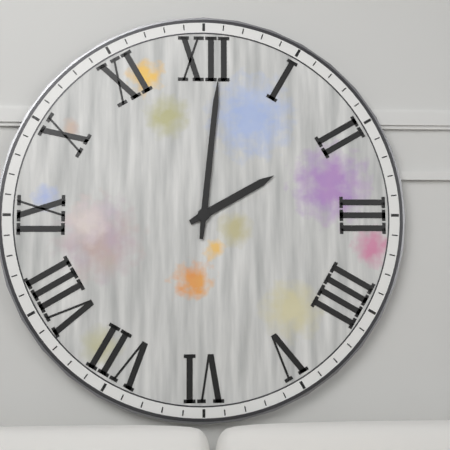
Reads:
h=2 m=1
